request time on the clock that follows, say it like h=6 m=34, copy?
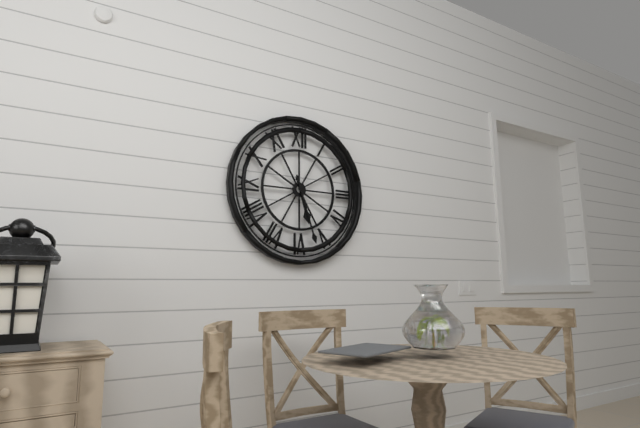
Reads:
h=5 m=27
